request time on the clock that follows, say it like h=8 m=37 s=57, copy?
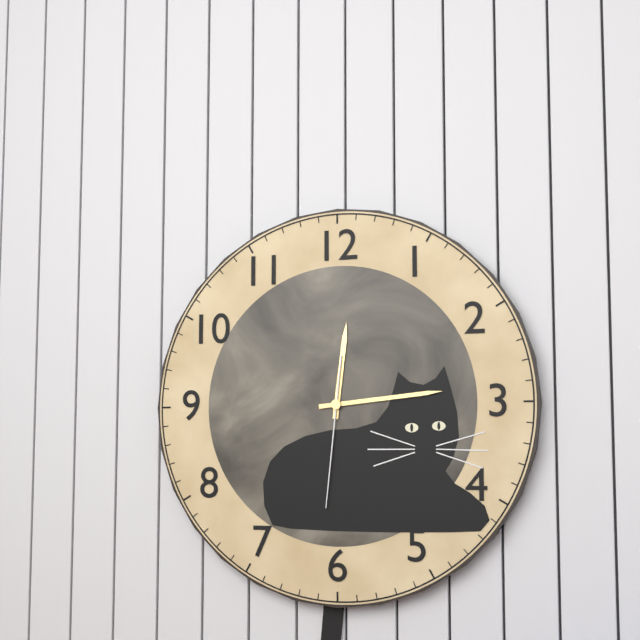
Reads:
h=12 m=14 s=31
